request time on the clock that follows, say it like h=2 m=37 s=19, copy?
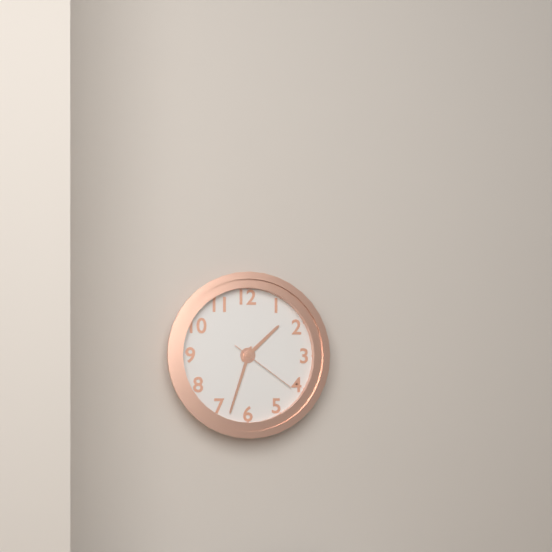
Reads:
h=1 m=33 s=21
